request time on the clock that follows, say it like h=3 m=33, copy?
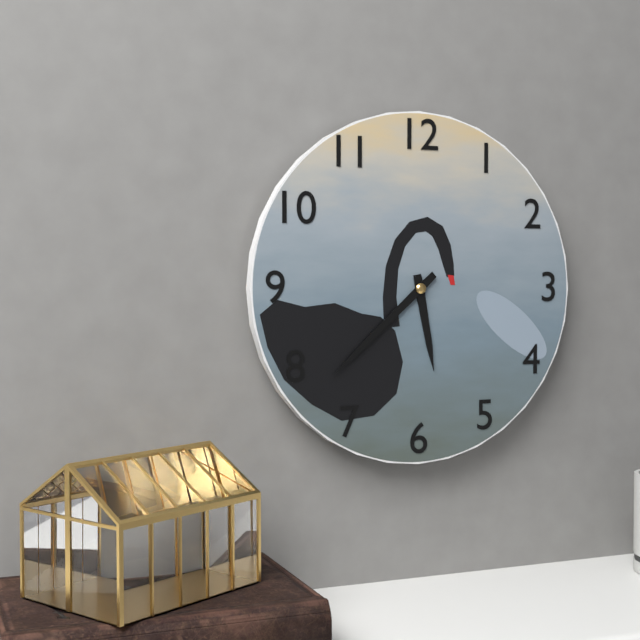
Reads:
h=5 m=38
